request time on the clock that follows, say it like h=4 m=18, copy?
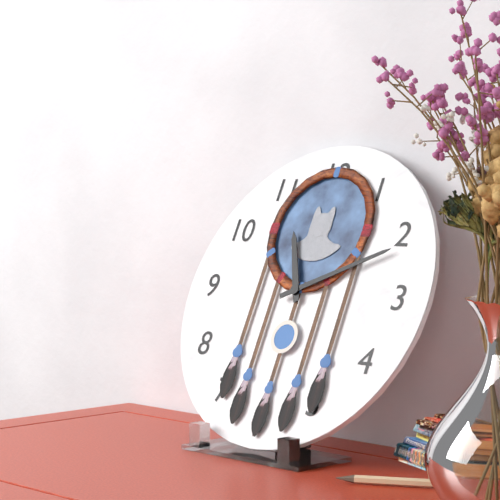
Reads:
h=11 m=11
